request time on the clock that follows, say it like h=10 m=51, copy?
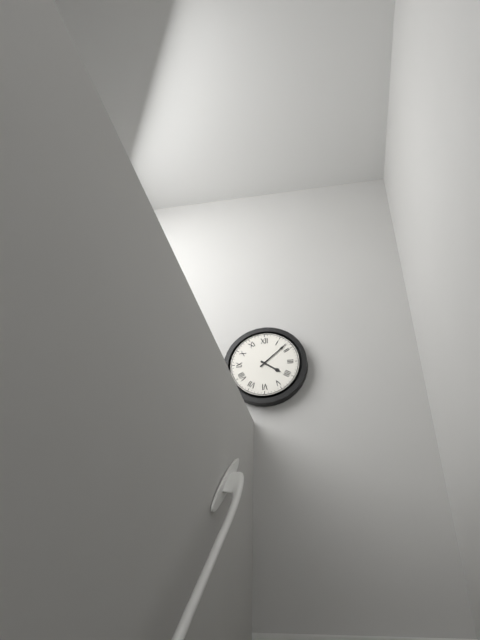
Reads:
h=4 m=8
